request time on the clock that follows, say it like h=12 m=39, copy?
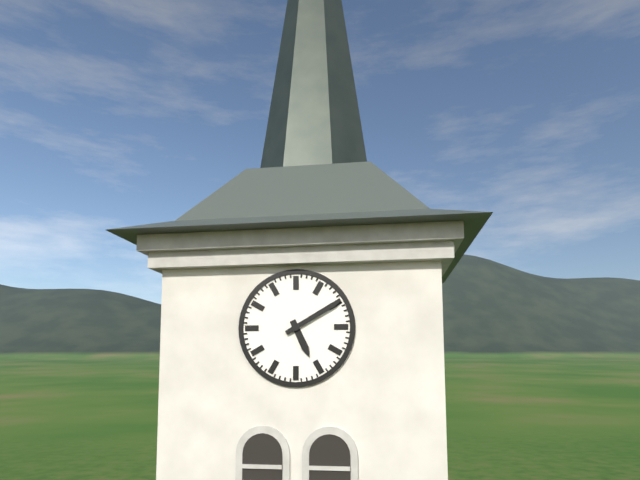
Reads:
h=5 m=10
